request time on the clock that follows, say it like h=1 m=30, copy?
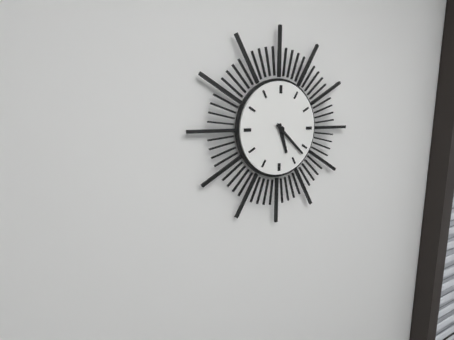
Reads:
h=5 m=22
